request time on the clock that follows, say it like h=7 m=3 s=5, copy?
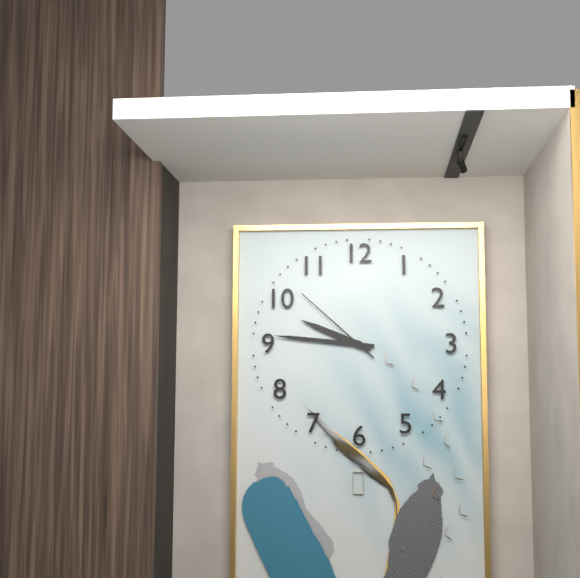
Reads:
h=9 m=46 s=52
